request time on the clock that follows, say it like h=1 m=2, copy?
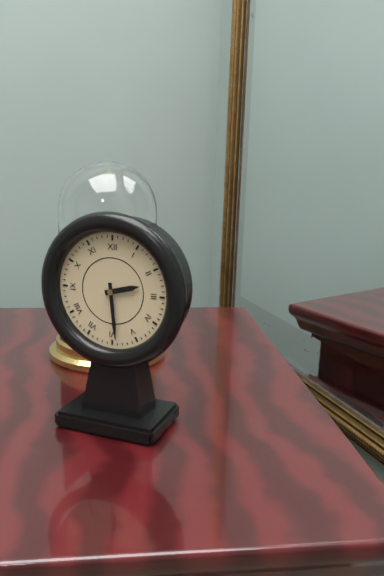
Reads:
h=2 m=29
